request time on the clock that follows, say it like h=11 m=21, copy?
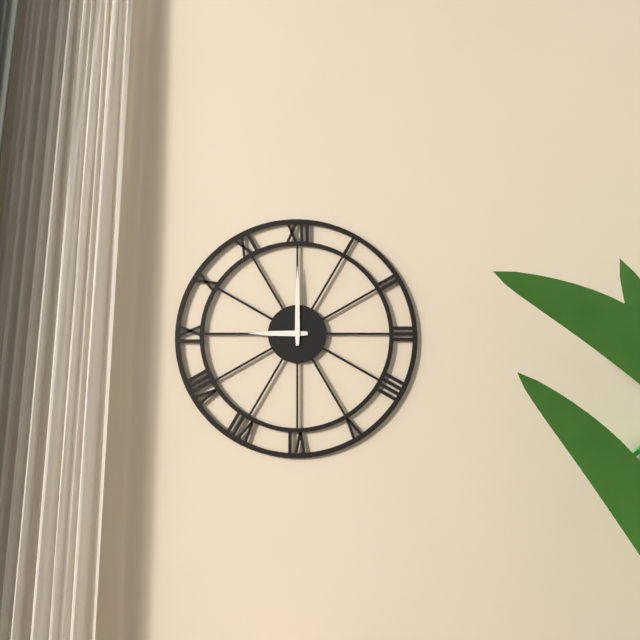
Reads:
h=9 m=0
